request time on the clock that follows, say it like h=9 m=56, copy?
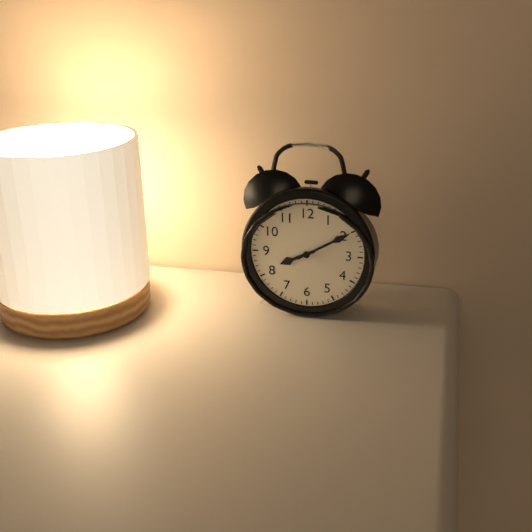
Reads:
h=8 m=10
